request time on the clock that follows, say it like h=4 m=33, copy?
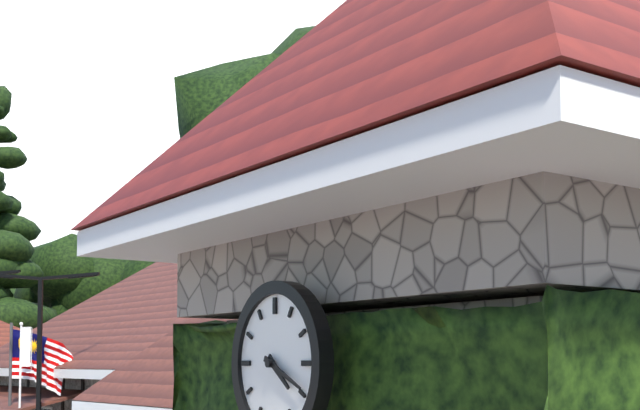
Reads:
h=4 m=19
